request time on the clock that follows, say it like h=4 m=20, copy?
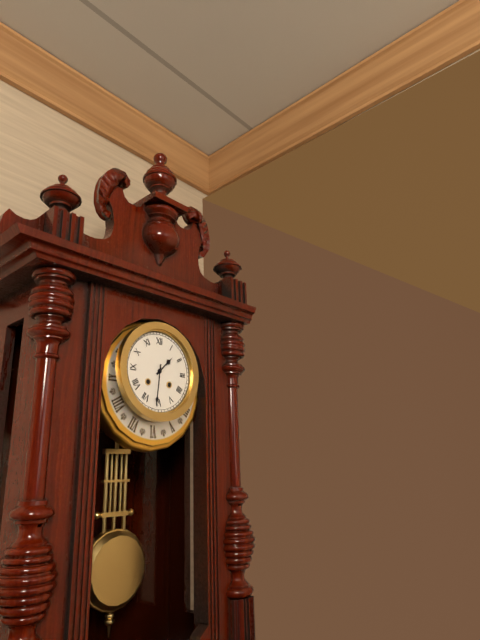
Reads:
h=1 m=31
